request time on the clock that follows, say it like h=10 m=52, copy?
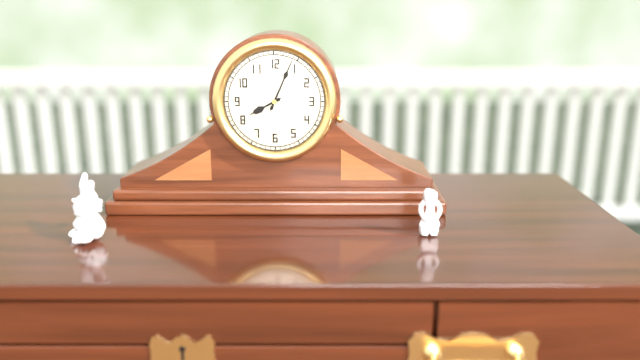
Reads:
h=8 m=4
